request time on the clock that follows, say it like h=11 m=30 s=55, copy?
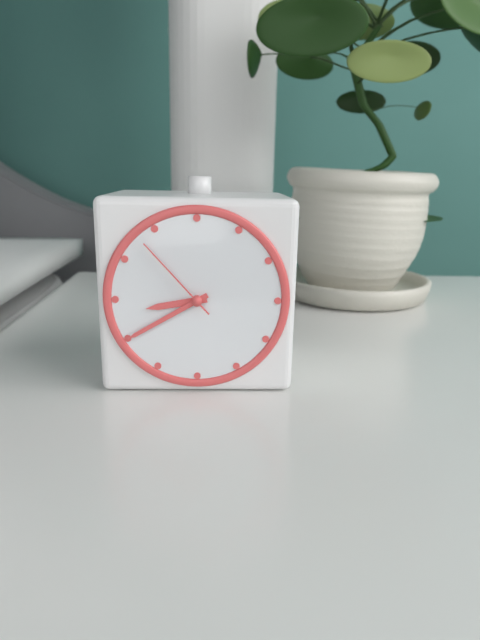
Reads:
h=8 m=40 s=53
